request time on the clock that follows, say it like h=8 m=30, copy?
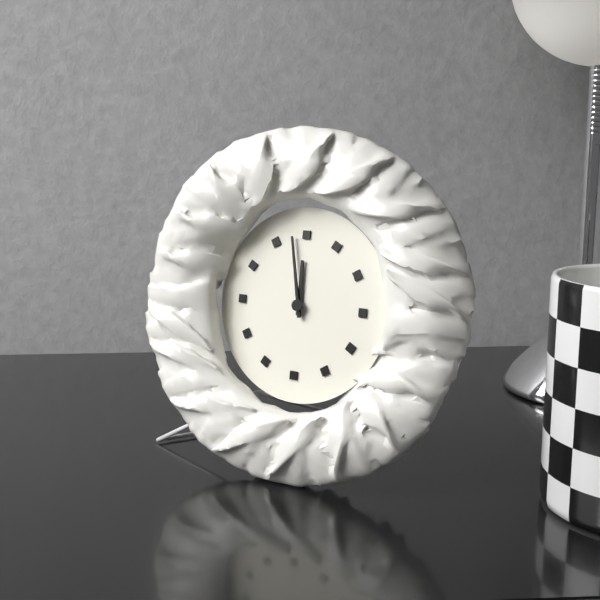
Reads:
h=11 m=58
